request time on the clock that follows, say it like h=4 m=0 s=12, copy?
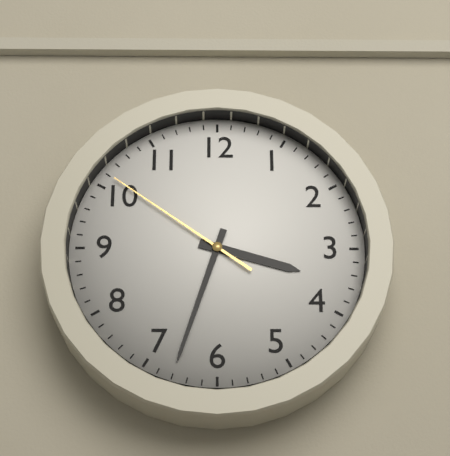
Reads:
h=3 m=33 s=51
